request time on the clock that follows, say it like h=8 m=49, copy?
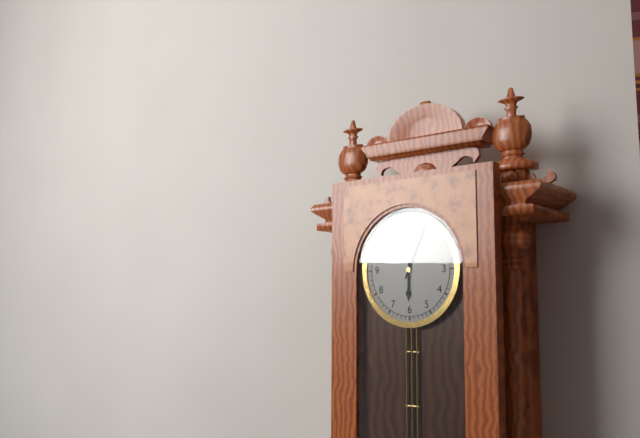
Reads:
h=6 m=4
